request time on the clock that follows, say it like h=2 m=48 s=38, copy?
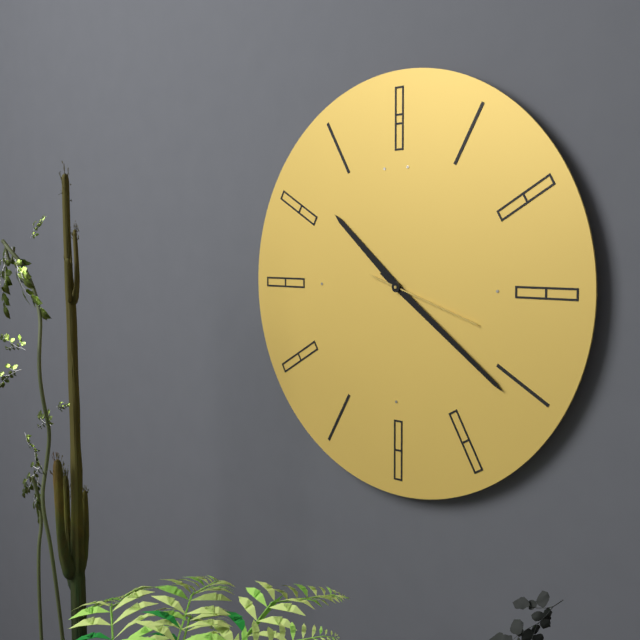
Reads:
h=10 m=21 s=18
